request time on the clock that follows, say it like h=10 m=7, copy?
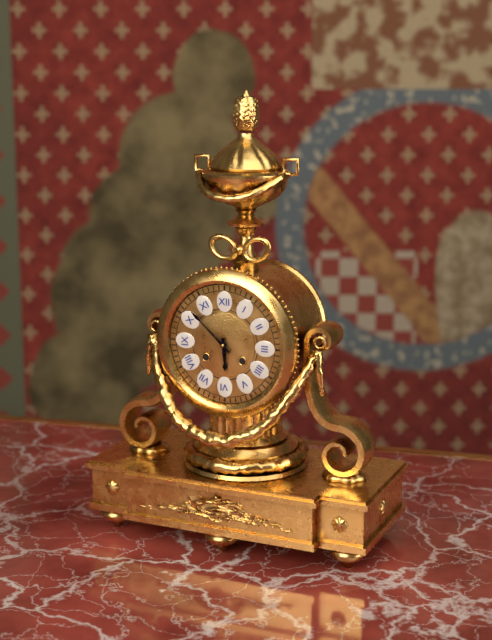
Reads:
h=5 m=52
